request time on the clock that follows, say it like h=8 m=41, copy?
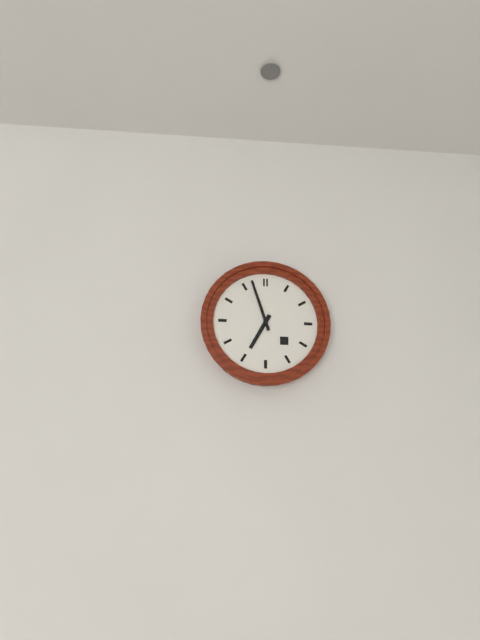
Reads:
h=6 m=57
